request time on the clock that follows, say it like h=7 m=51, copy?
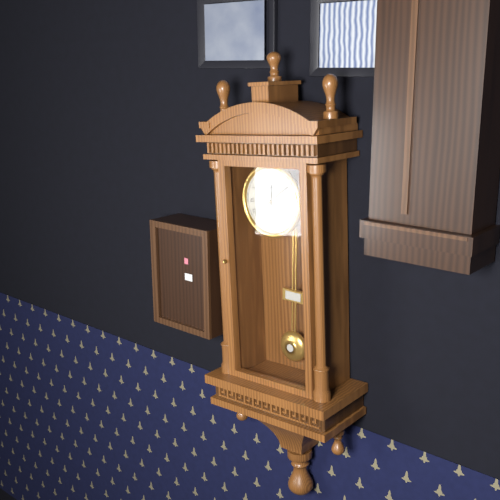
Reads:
h=12 m=9
